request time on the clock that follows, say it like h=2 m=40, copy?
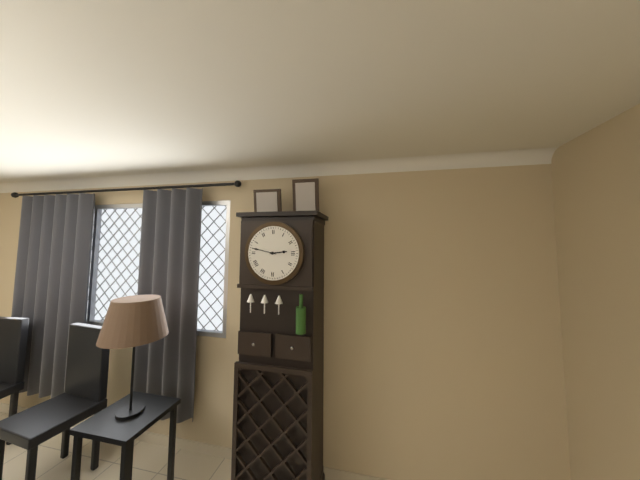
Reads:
h=2 m=47
